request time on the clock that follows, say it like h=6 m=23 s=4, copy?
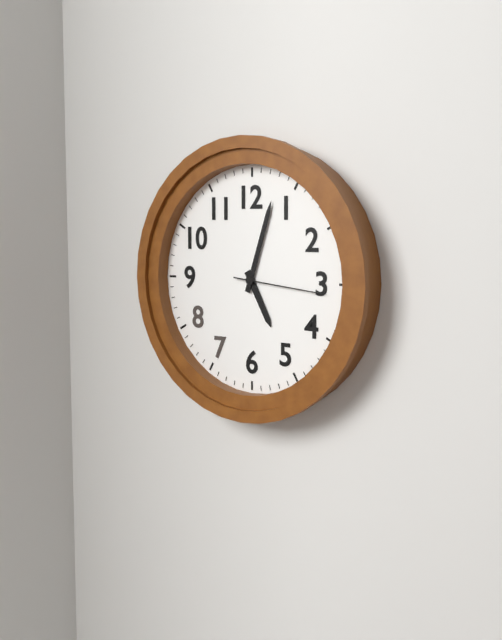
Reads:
h=5 m=3 s=16
